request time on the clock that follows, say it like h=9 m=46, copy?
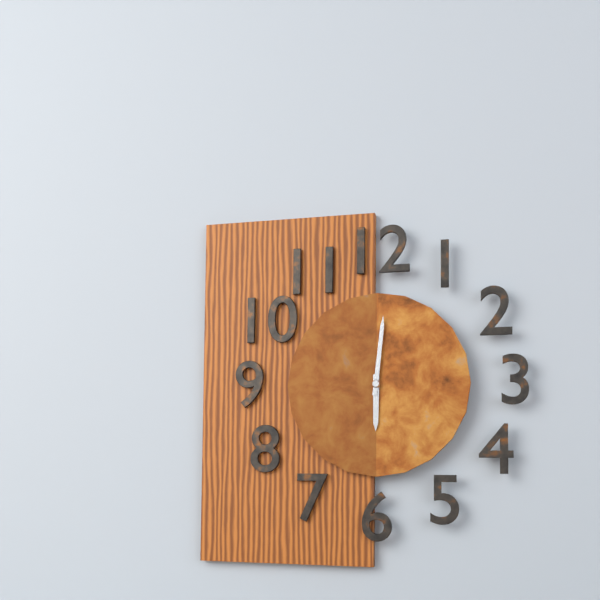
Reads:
h=6 m=1
